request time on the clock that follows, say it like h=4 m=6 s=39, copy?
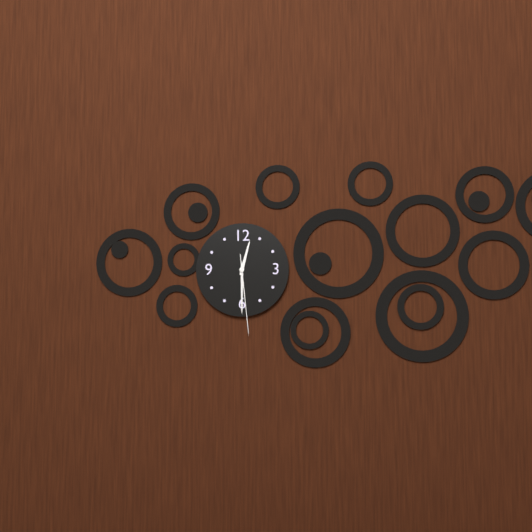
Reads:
h=12 m=30 s=29
